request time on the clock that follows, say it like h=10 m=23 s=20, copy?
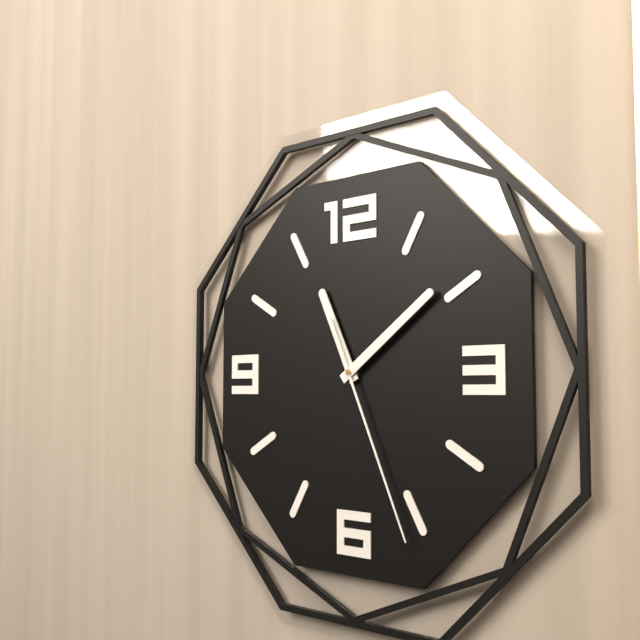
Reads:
h=11 m=9 s=26
